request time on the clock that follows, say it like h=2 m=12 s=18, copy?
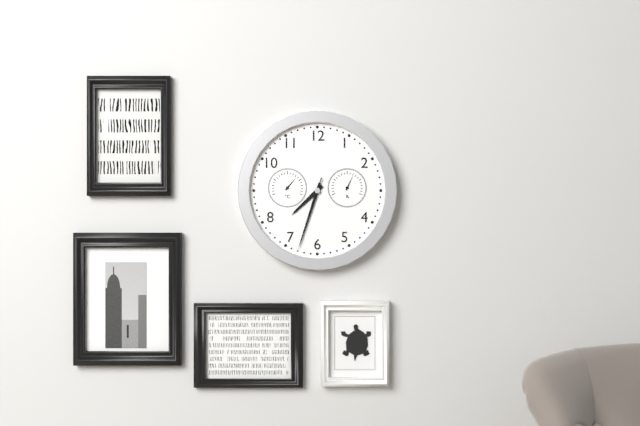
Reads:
h=7 m=33 s=33
